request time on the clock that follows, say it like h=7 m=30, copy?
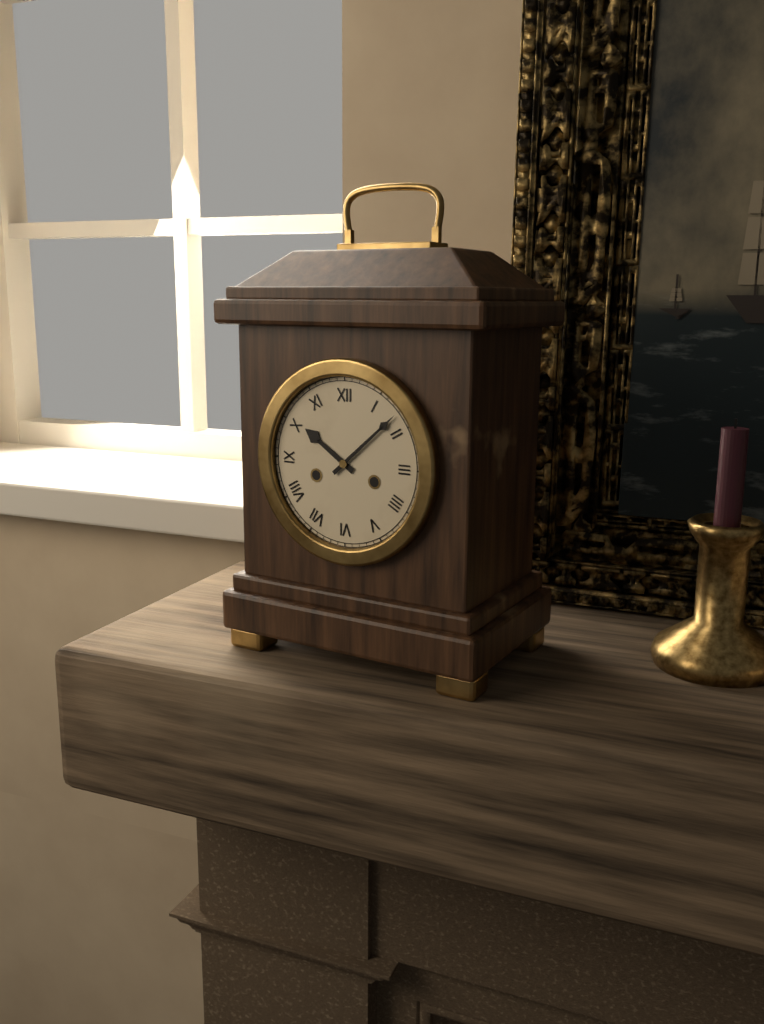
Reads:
h=10 m=8
